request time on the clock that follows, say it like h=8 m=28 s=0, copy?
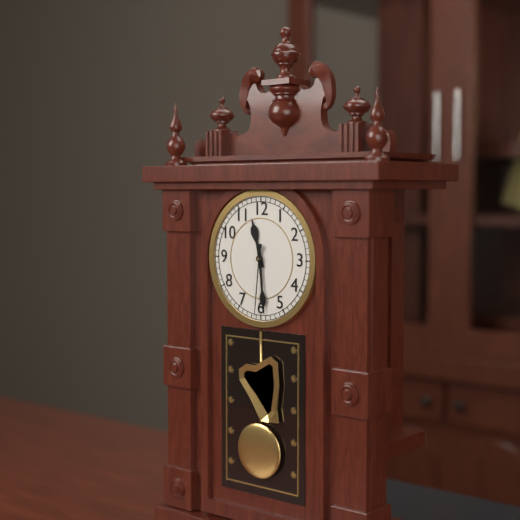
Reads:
h=11 m=29 s=31
